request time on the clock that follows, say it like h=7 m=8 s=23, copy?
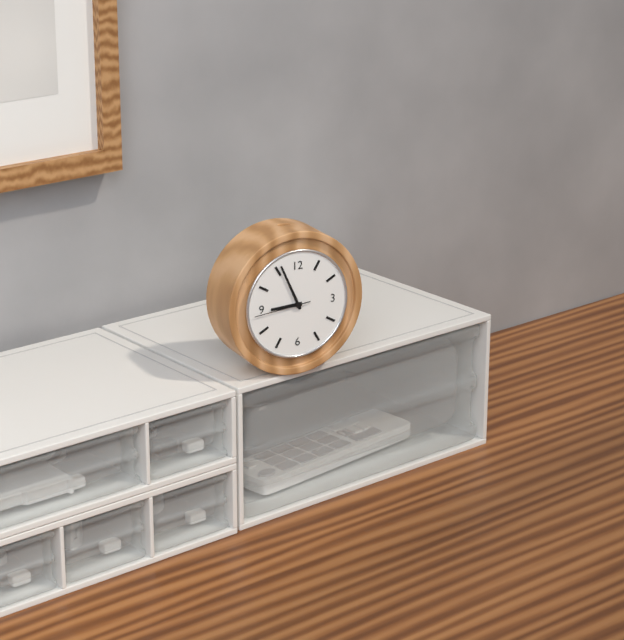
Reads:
h=8 m=56 s=44
